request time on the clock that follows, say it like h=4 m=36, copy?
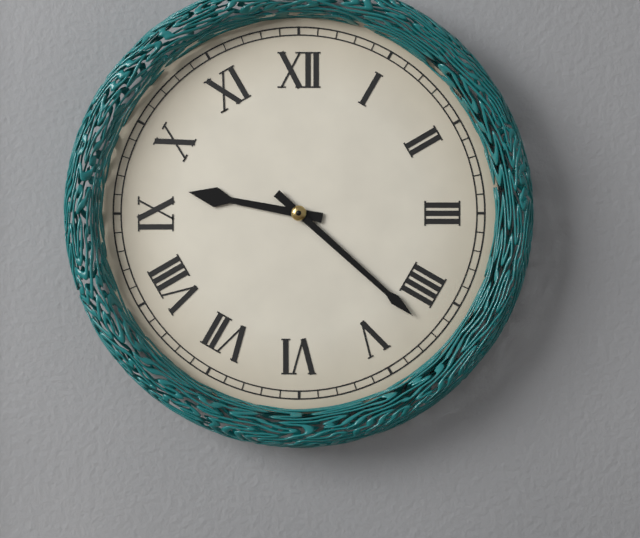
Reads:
h=9 m=22
